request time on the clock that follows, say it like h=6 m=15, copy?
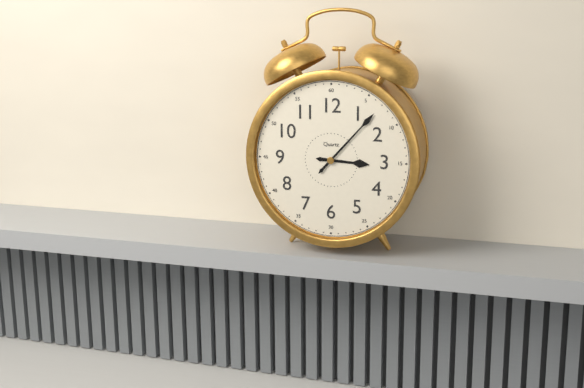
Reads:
h=3 m=7
